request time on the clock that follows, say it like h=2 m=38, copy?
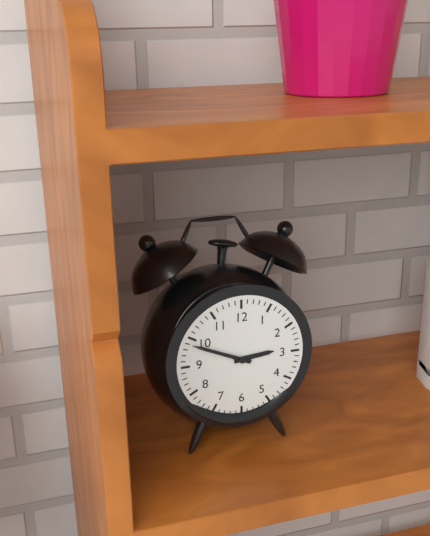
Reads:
h=2 m=49
